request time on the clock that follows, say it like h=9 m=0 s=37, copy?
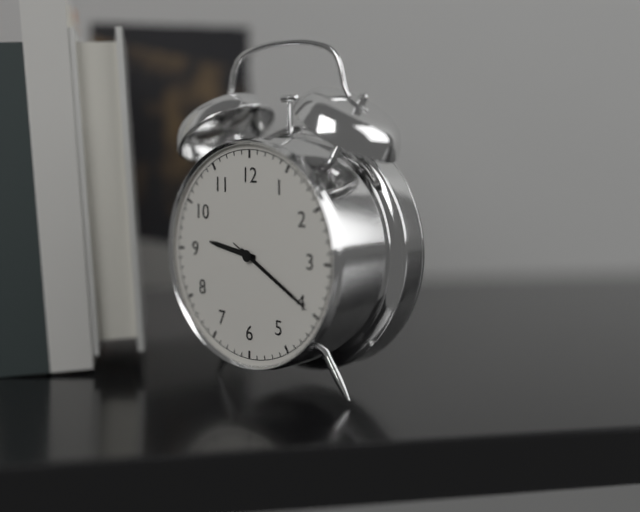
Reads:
h=9 m=20 s=20
